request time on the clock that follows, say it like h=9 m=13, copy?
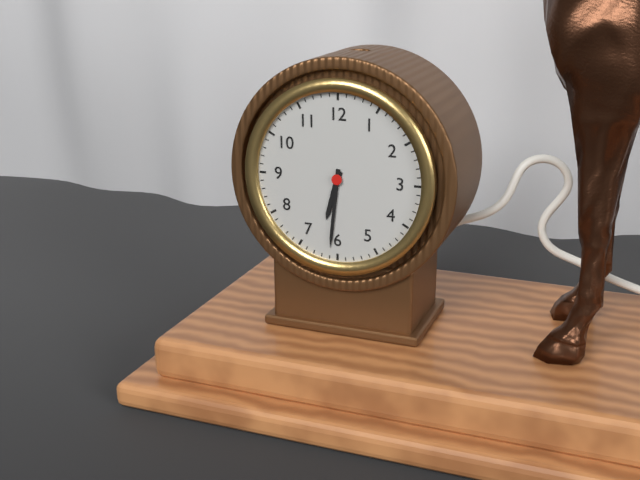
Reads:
h=6 m=31
